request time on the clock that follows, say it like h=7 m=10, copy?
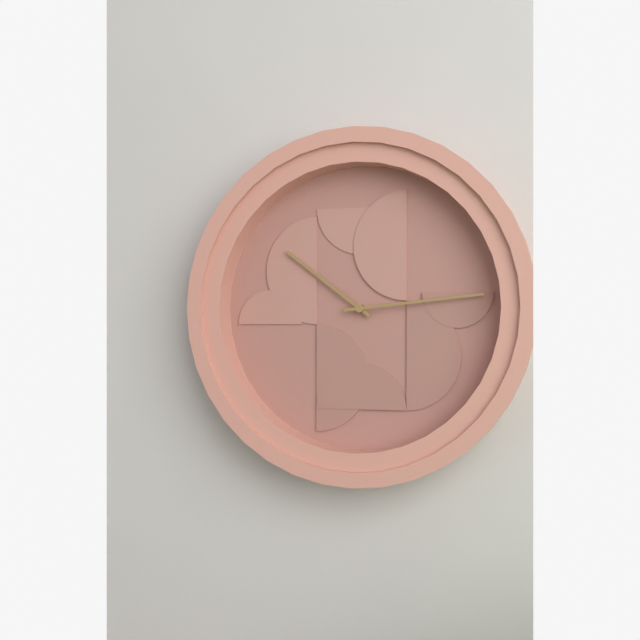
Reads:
h=10 m=14
